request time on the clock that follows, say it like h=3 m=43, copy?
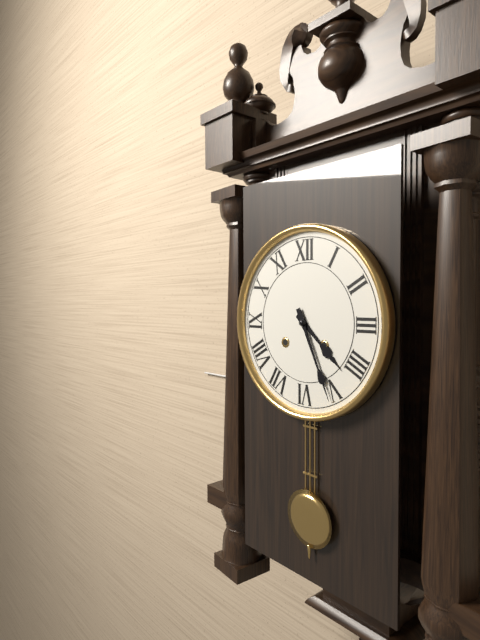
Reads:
h=4 m=26
